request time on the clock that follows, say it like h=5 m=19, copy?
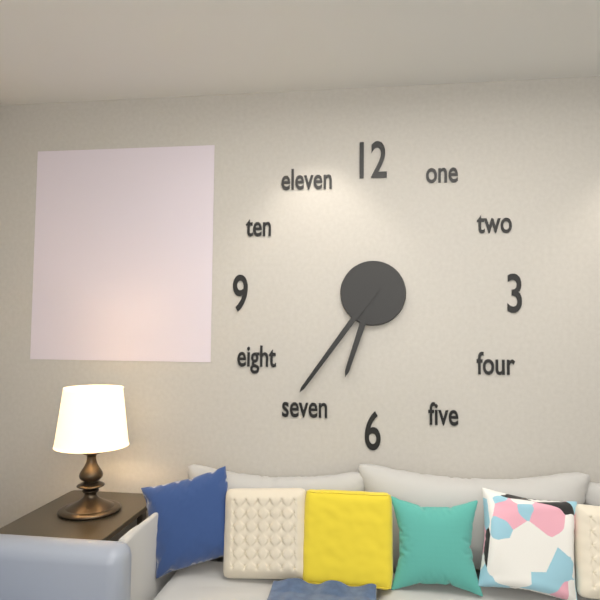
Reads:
h=6 m=36
